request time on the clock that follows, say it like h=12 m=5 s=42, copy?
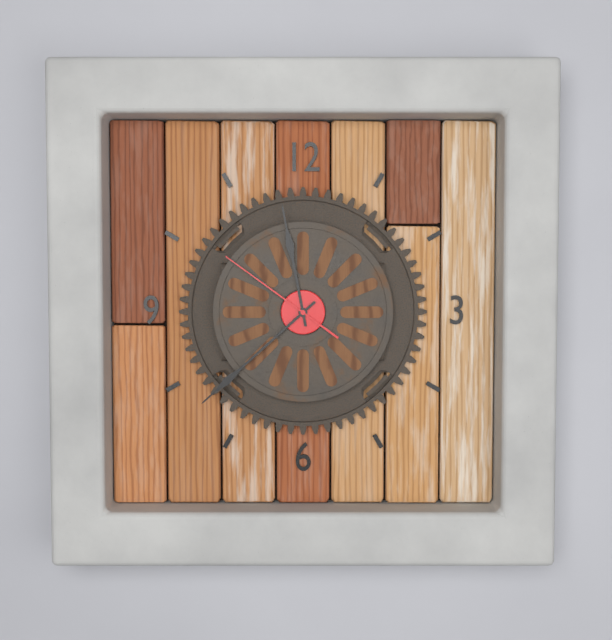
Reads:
h=11 m=38 s=51
